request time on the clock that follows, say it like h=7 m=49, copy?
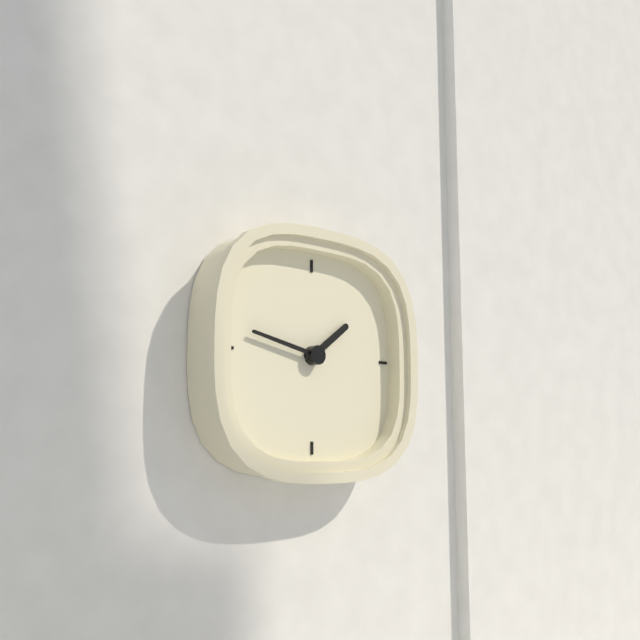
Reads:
h=1 m=47
